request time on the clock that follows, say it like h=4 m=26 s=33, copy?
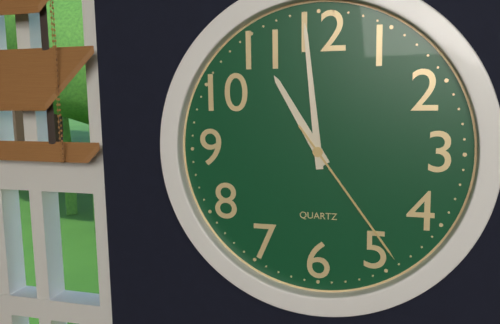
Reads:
h=10 m=59 s=24
